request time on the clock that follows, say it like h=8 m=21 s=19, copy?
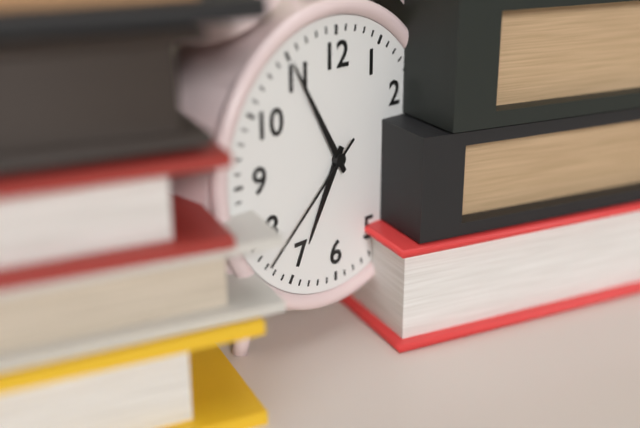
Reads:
h=6 m=55 s=38
